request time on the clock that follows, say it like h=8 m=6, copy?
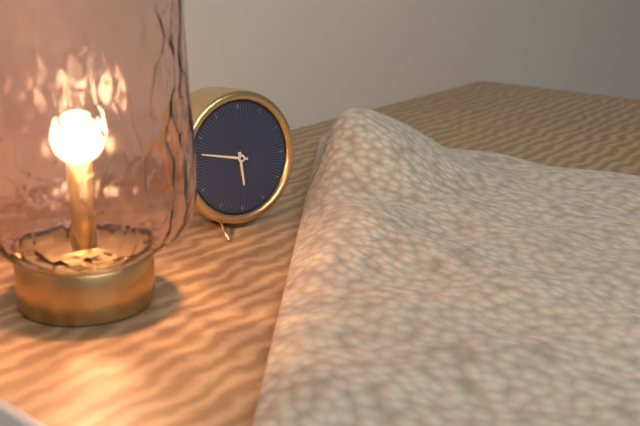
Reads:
h=5 m=47
